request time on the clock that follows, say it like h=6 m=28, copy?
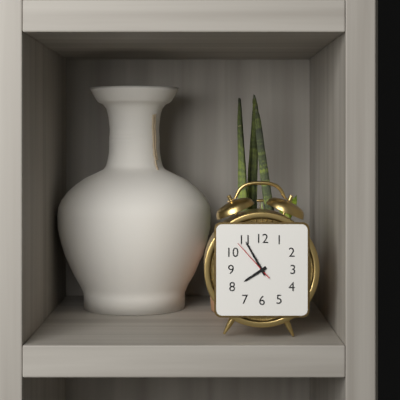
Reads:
h=7 m=55
